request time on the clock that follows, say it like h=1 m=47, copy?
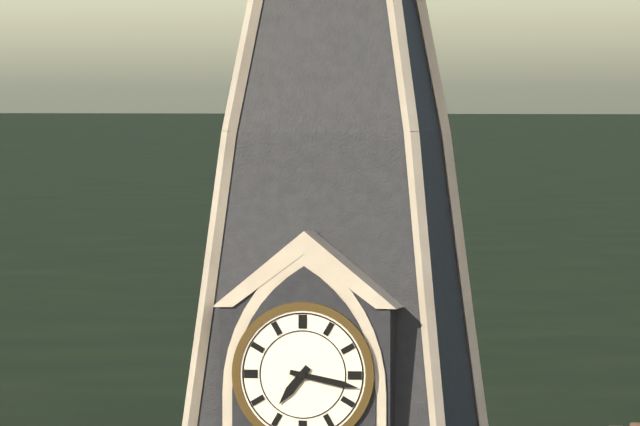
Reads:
h=7 m=17
